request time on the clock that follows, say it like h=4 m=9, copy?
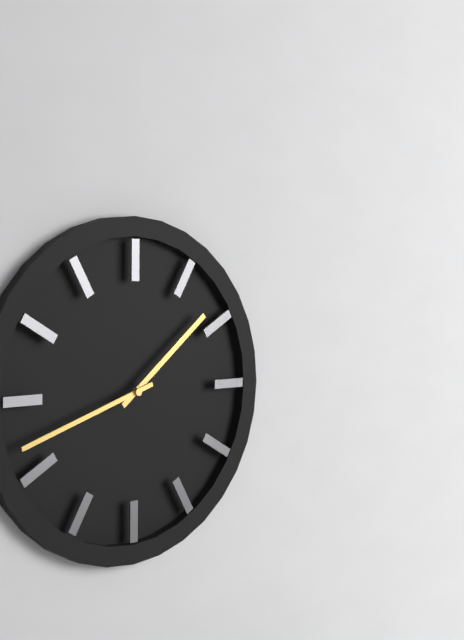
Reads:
h=1 m=42
